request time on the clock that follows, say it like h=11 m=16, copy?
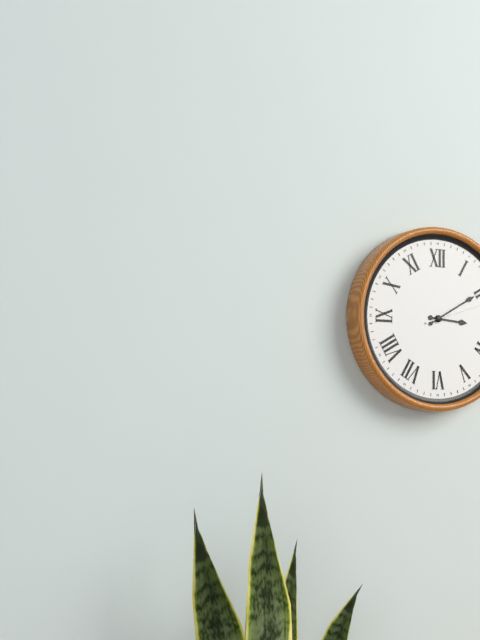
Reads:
h=3 m=10
